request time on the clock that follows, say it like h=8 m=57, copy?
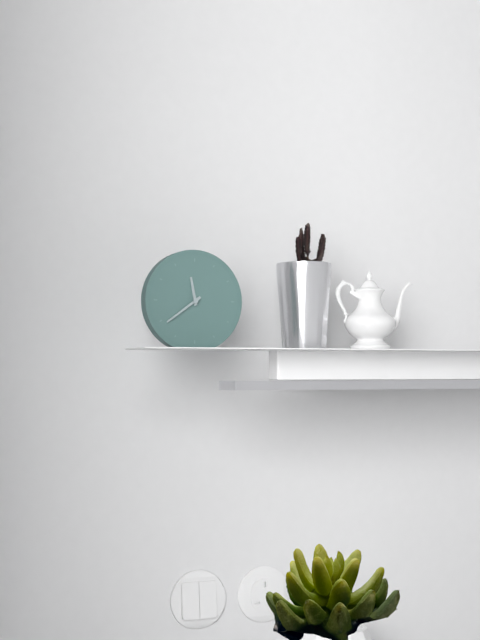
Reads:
h=11 m=39
